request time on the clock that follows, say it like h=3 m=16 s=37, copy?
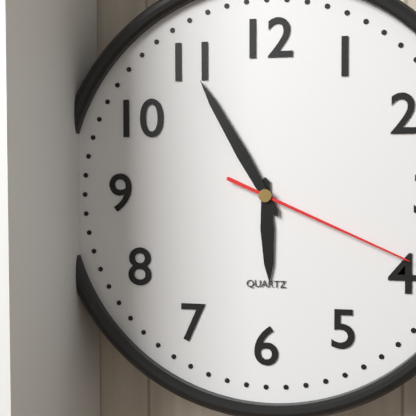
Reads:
h=5 m=55 s=19
